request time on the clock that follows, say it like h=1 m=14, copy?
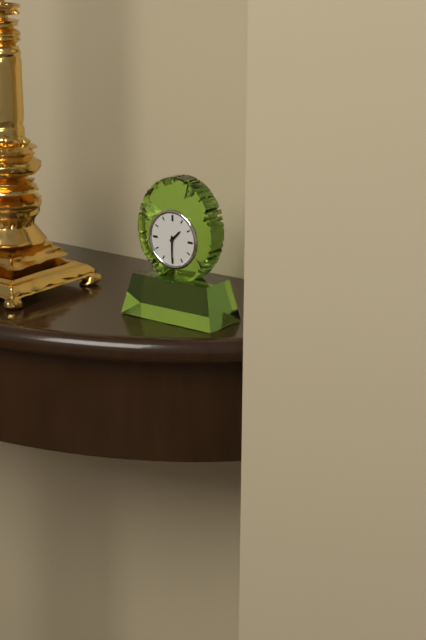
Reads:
h=1 m=30
